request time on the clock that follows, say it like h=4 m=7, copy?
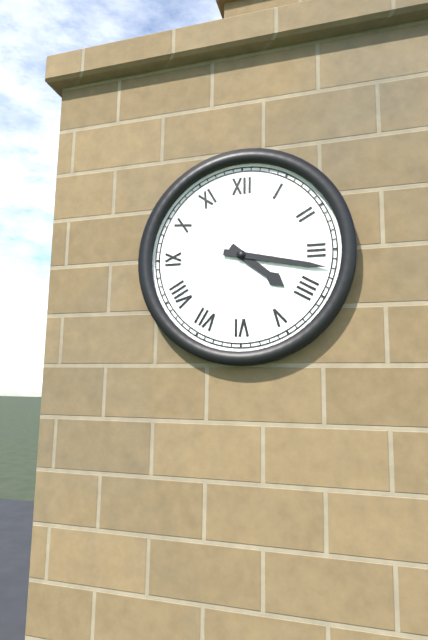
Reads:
h=4 m=17
